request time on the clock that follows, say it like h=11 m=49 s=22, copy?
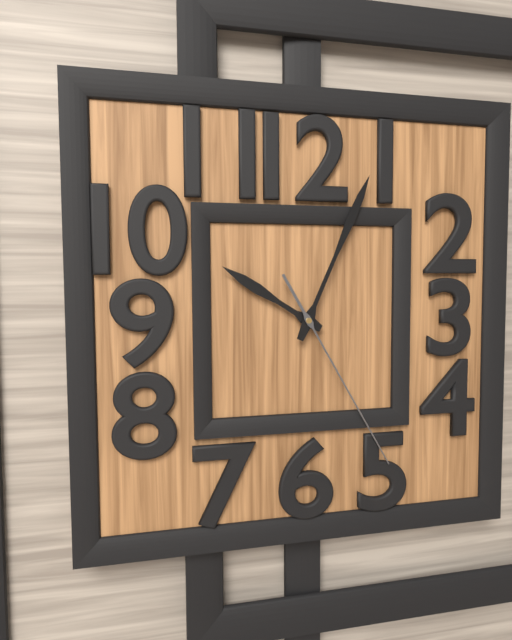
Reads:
h=10 m=4 s=25
